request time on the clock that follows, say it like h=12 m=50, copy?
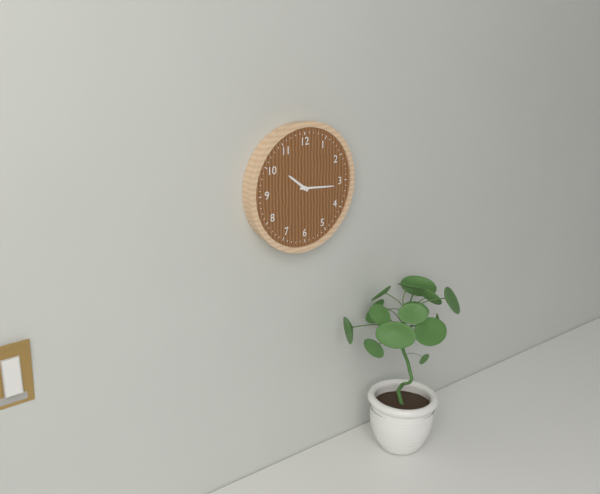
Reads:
h=10 m=16
